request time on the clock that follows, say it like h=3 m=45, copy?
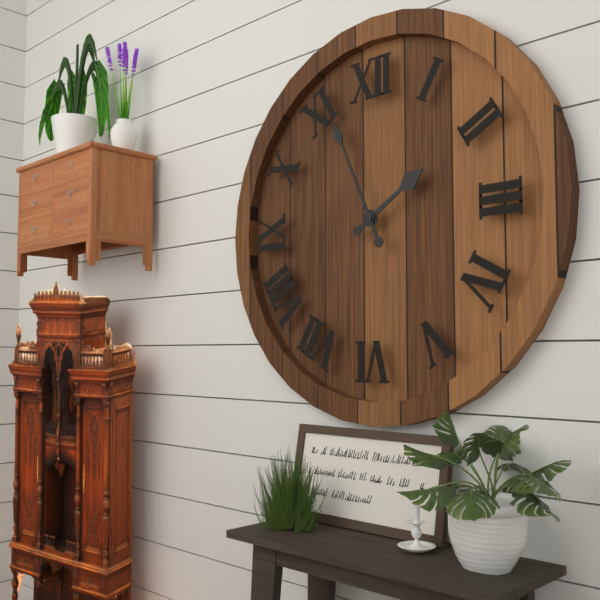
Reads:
h=1 m=56
